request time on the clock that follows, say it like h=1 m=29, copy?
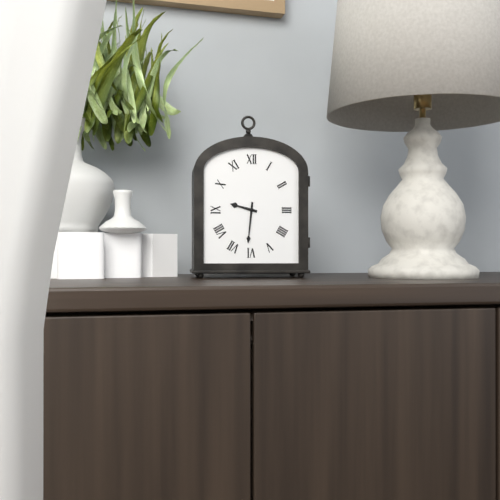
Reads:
h=9 m=31
